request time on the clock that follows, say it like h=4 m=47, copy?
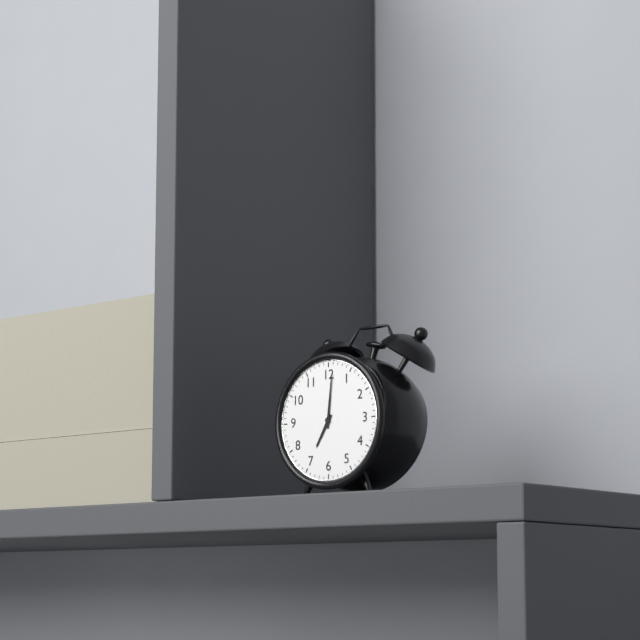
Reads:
h=7 m=1
